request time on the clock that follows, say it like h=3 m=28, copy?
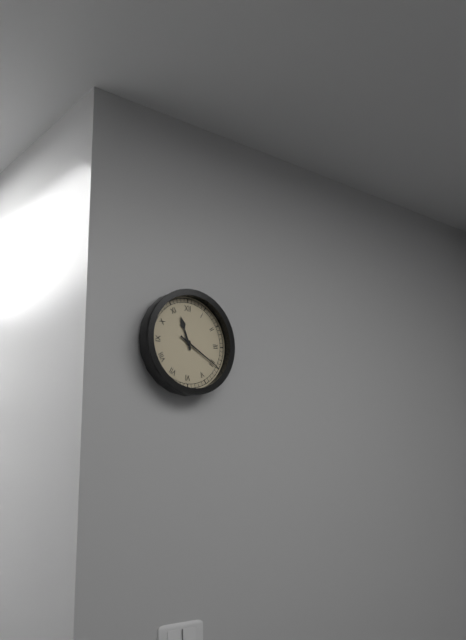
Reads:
h=11 m=20
